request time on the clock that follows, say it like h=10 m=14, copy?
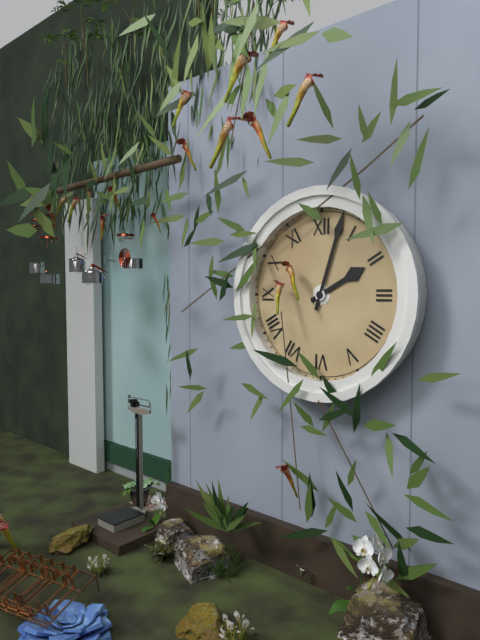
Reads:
h=2 m=3
